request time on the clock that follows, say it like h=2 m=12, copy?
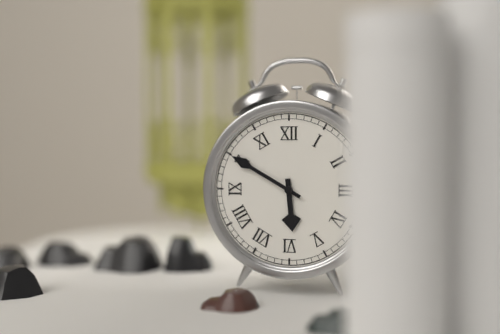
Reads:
h=5 m=50
